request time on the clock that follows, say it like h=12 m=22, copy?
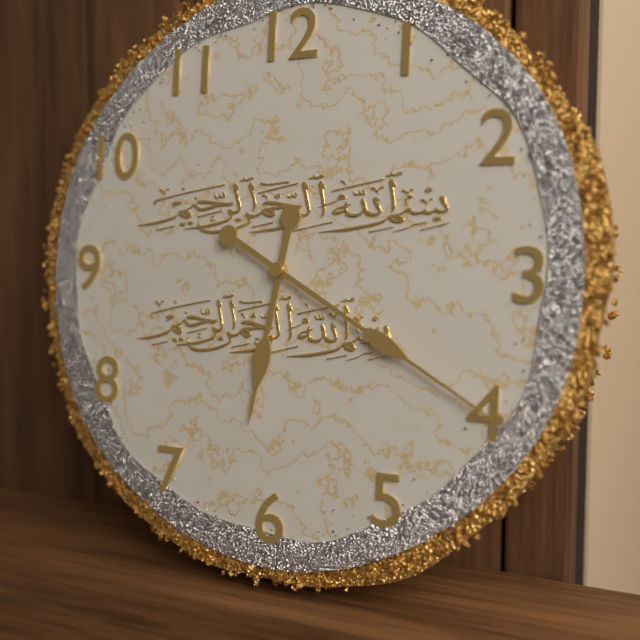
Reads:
h=6 m=20
